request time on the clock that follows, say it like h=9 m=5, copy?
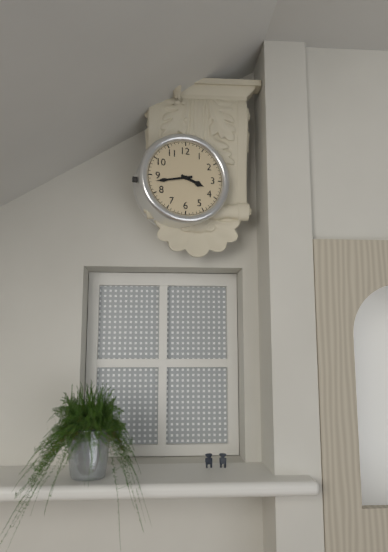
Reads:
h=3 m=43
